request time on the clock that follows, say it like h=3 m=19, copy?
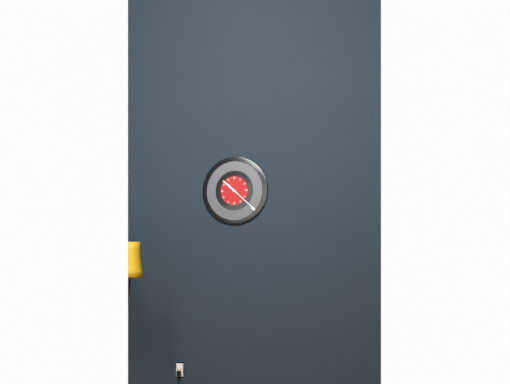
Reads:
h=10 m=22
